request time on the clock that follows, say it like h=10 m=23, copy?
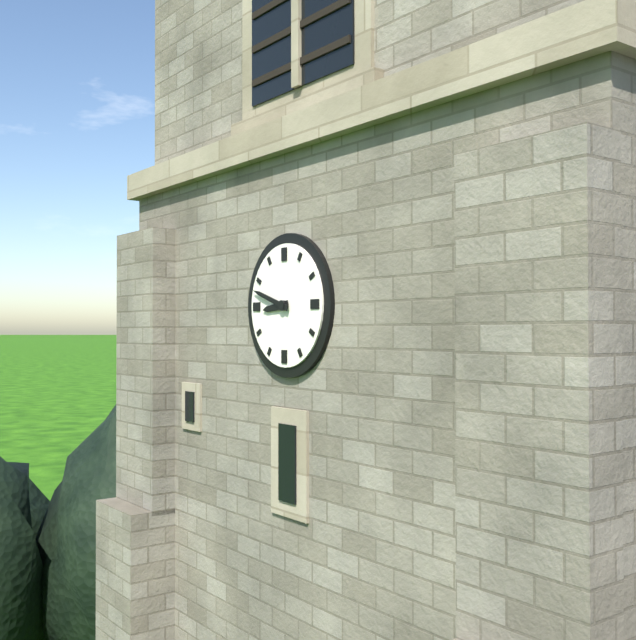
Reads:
h=8 m=48
